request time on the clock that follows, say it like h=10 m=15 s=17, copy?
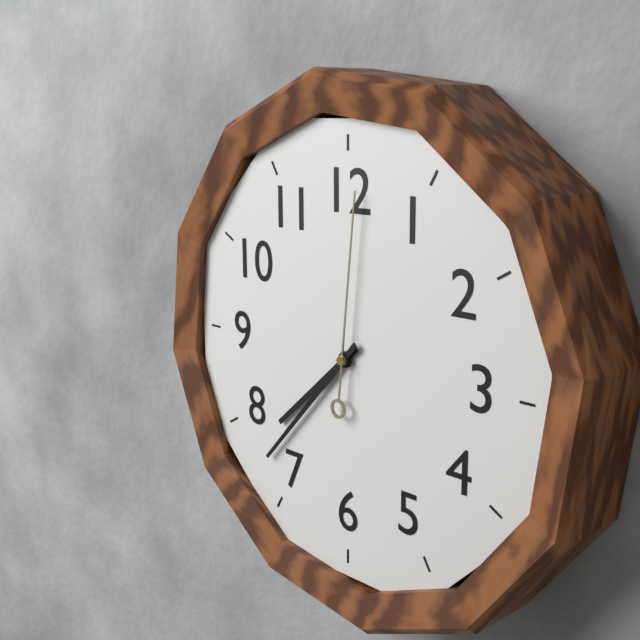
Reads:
h=7 m=37 s=1
